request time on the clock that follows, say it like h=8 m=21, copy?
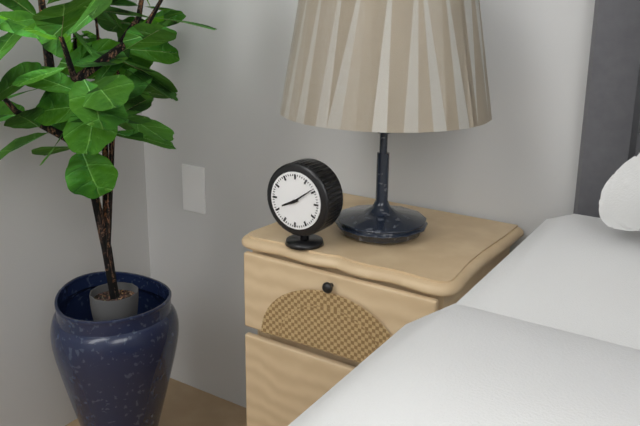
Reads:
h=8 m=9
